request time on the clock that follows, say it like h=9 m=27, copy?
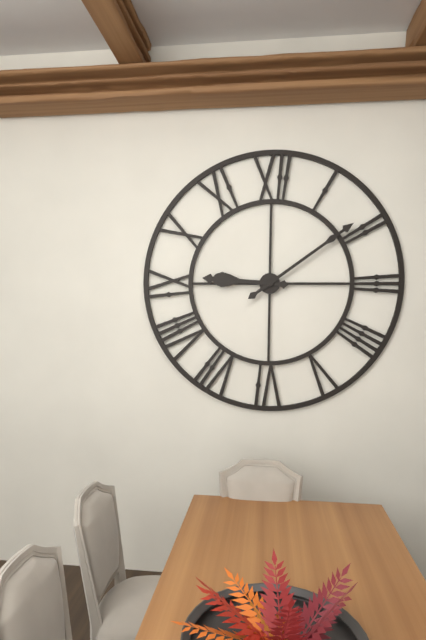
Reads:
h=9 m=9
